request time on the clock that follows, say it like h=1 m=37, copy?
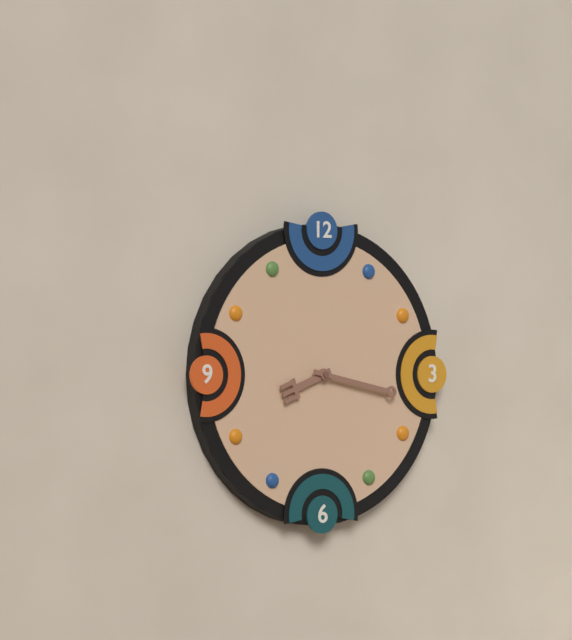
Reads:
h=8 m=17
